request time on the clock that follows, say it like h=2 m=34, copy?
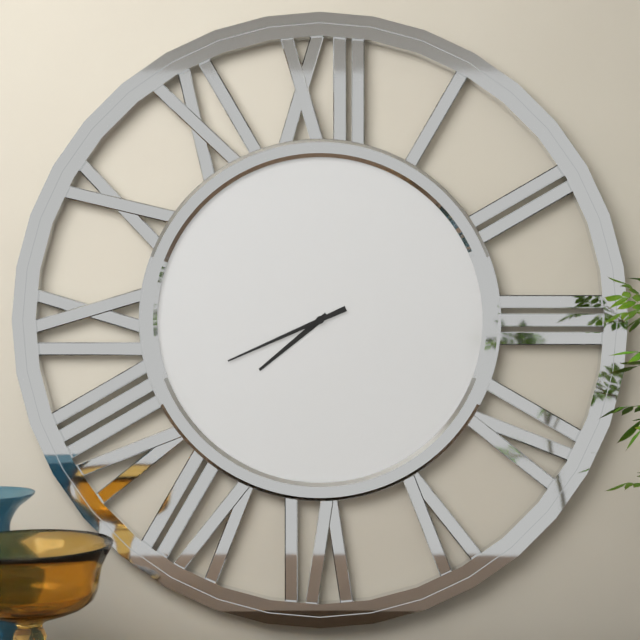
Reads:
h=7 m=41
